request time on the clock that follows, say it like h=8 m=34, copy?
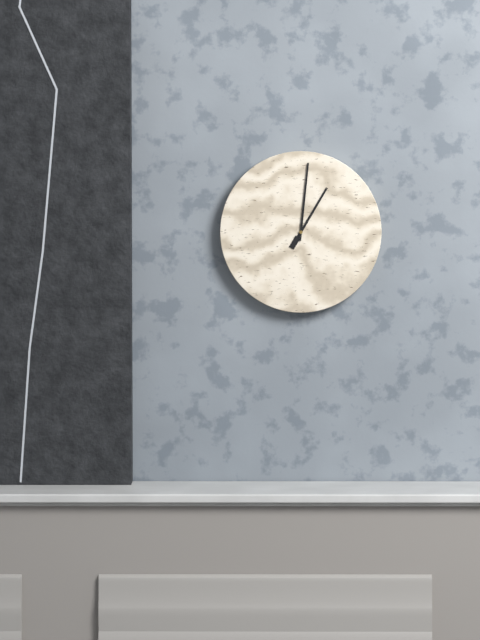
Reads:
h=1 m=1
